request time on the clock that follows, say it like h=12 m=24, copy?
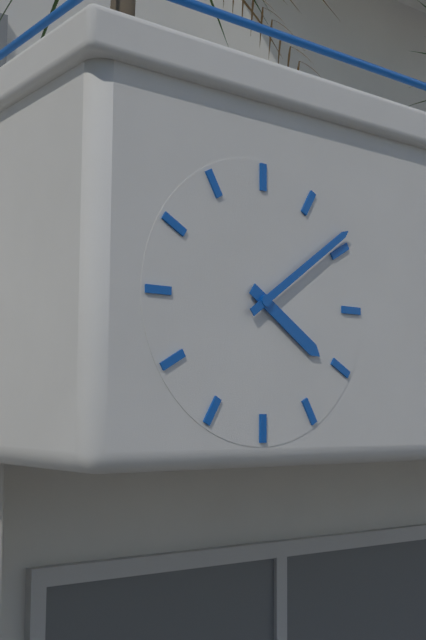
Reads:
h=4 m=9
